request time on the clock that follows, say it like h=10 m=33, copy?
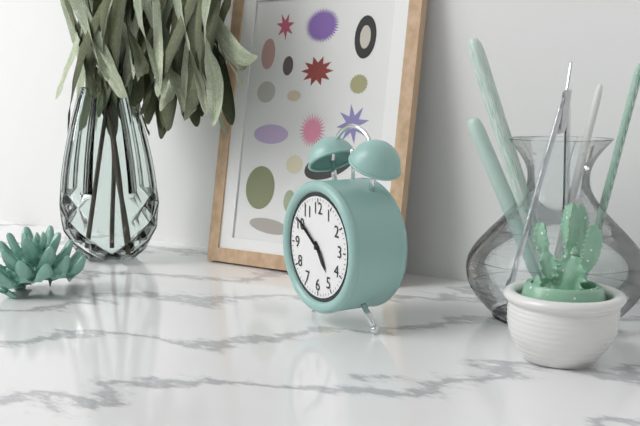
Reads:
h=4 m=51
